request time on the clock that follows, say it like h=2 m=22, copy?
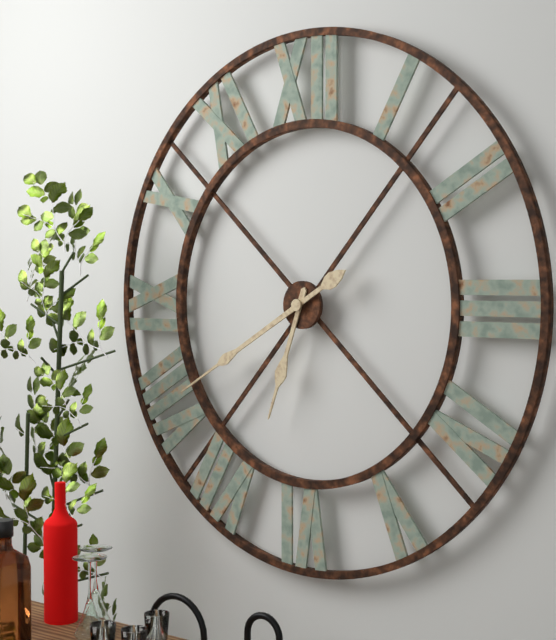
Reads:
h=6 m=40
